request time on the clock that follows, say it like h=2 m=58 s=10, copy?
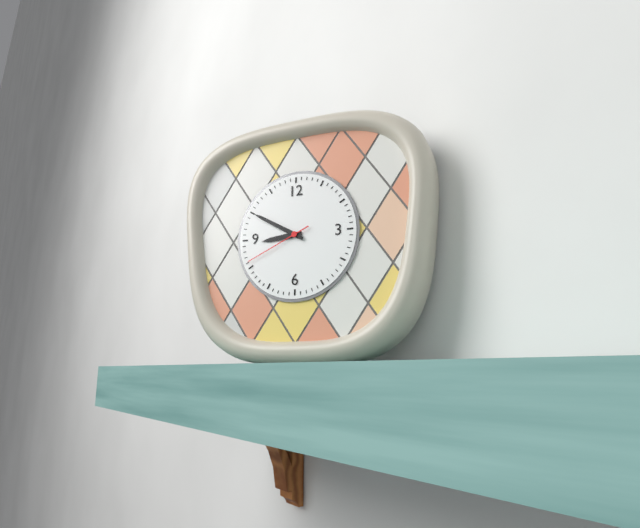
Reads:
h=8 m=50 s=41
